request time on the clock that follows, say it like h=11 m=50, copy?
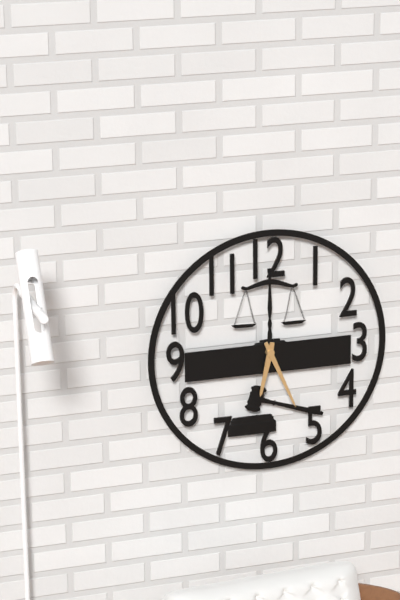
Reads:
h=6 m=26
